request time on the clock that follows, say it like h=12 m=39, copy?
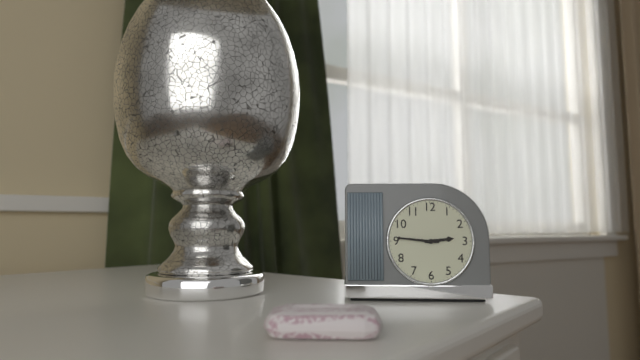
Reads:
h=2 m=46
